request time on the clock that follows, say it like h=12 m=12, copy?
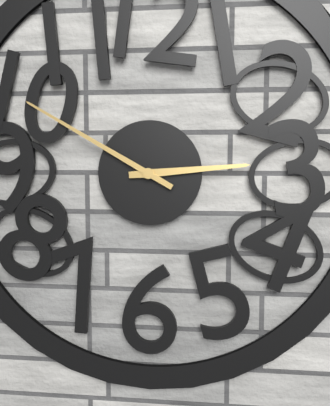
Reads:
h=2 m=50
